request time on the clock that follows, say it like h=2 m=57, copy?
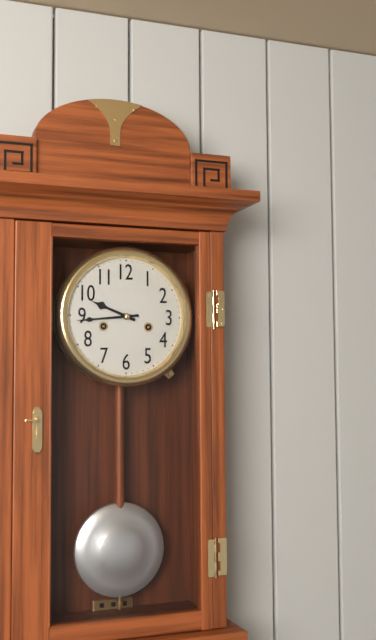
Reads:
h=9 m=44
